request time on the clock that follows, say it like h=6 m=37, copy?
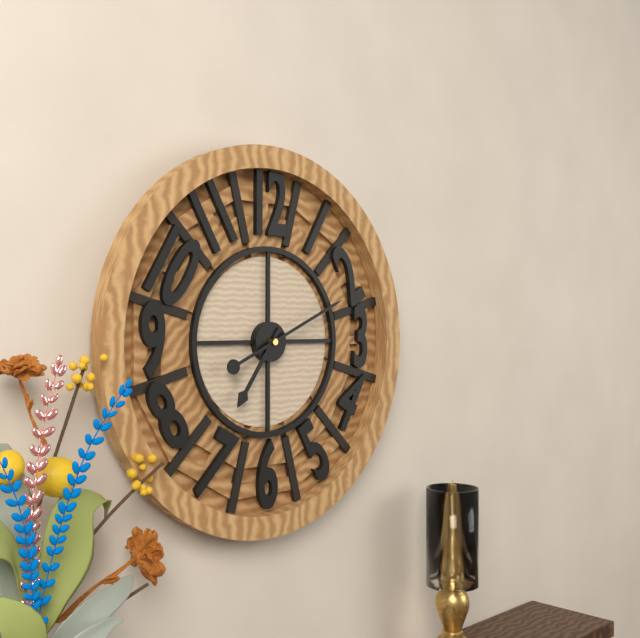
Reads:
h=7 m=11
